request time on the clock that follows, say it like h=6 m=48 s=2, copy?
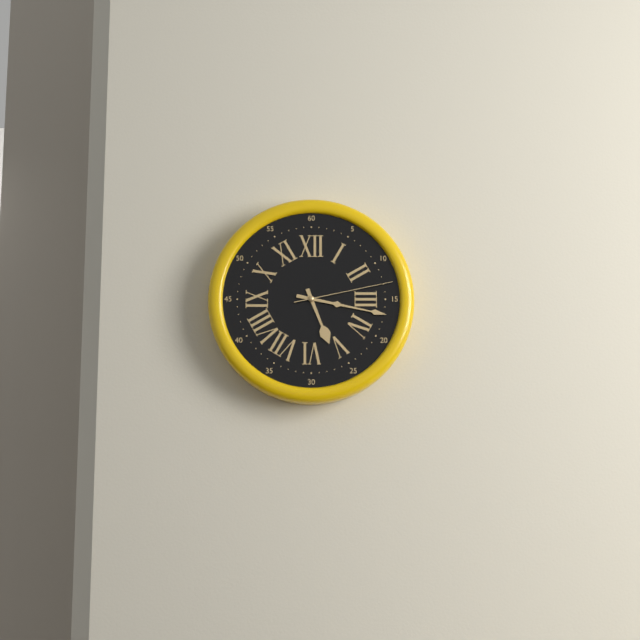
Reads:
h=5 m=17 s=13
